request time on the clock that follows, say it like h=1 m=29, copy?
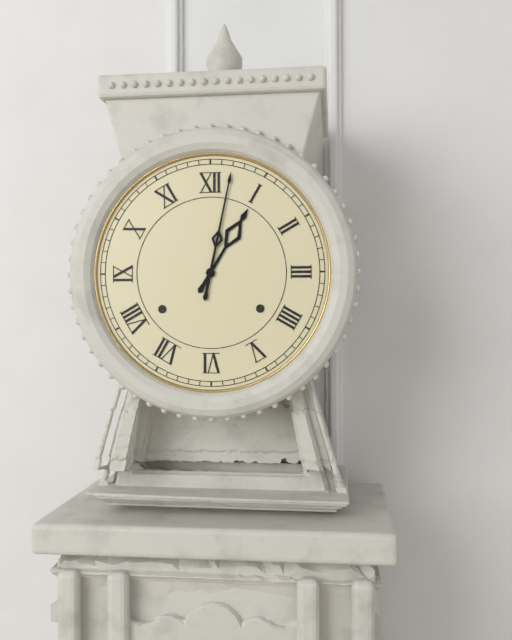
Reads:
h=1 m=2
